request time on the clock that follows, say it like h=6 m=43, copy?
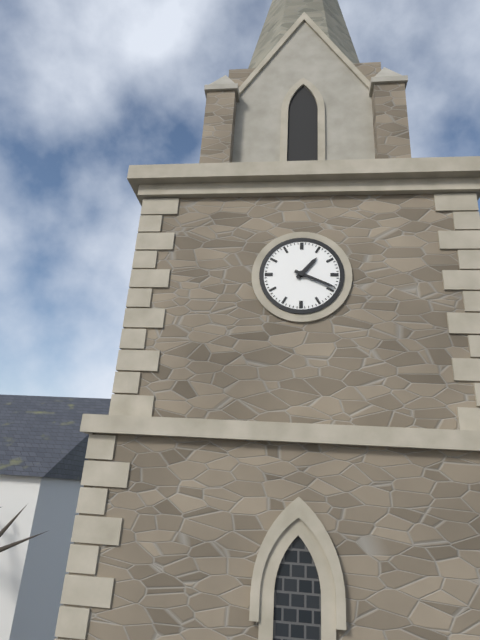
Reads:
h=1 m=19
